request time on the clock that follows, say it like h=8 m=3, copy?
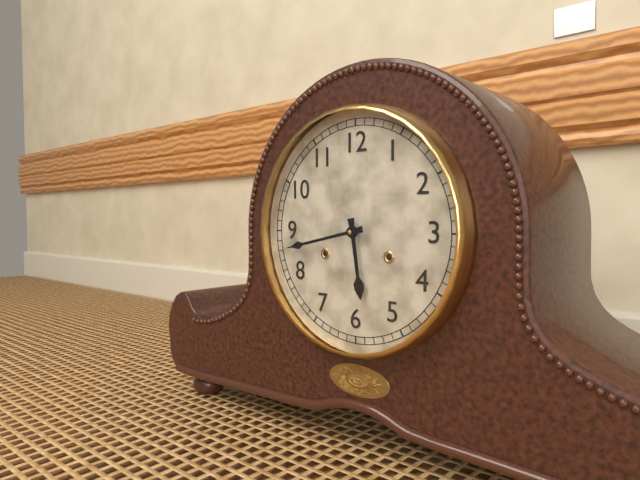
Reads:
h=5 m=43
